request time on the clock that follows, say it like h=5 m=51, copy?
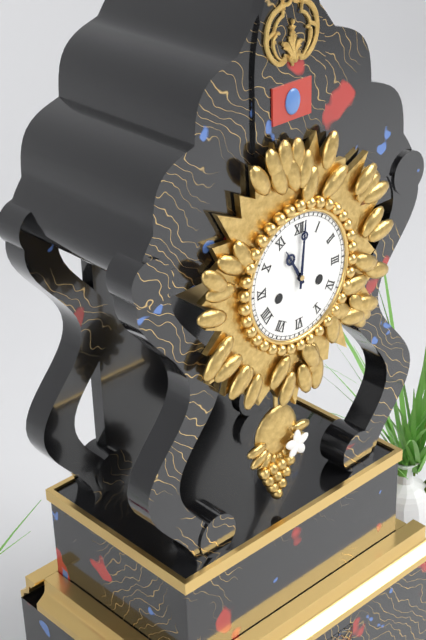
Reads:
h=11 m=1
